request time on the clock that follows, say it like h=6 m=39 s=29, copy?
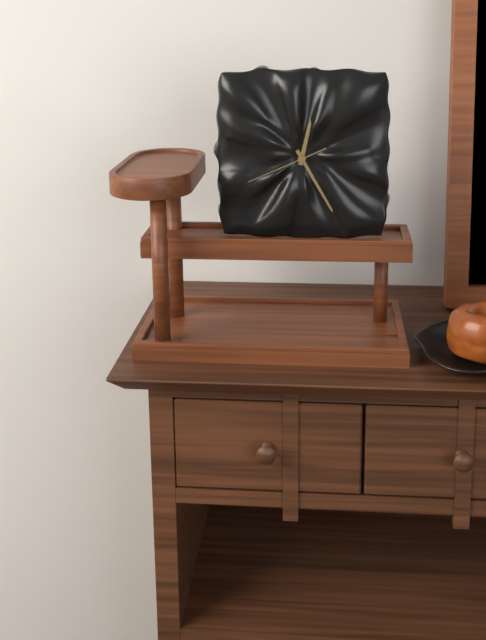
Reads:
h=12 m=25 s=41
